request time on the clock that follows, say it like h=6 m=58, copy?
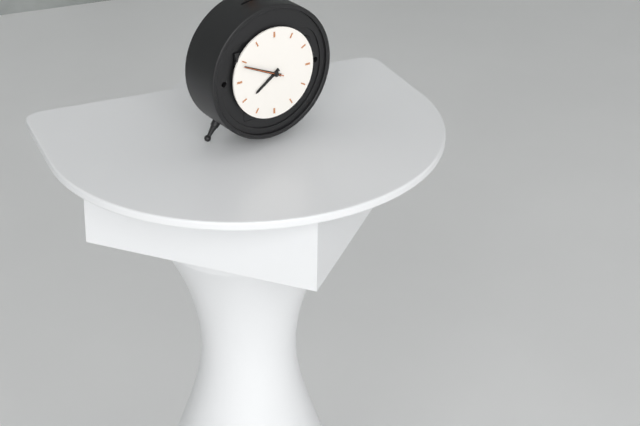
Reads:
h=7 m=49
